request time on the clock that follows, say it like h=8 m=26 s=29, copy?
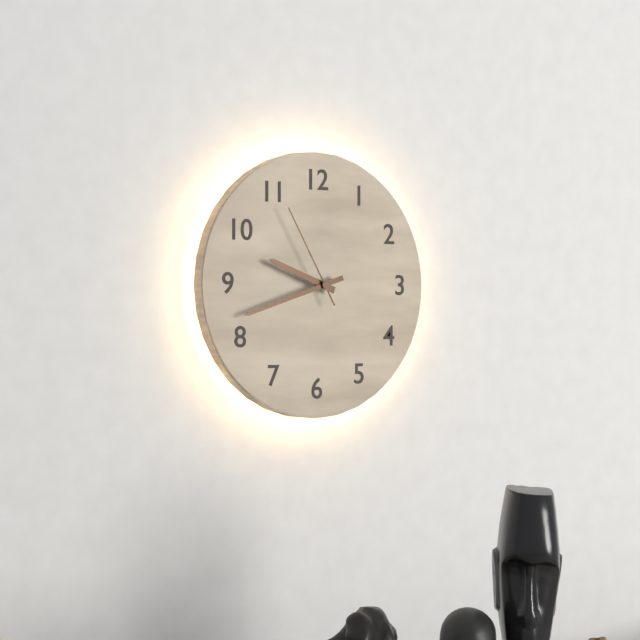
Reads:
h=9 m=42 s=55
